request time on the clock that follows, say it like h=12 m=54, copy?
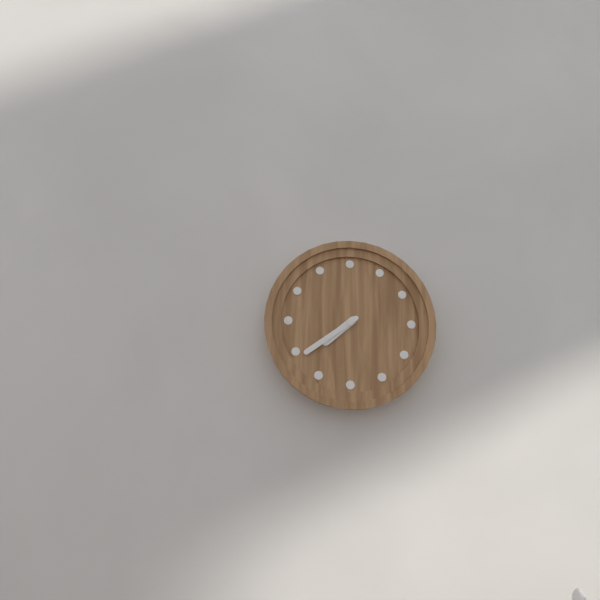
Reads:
h=7 m=39
